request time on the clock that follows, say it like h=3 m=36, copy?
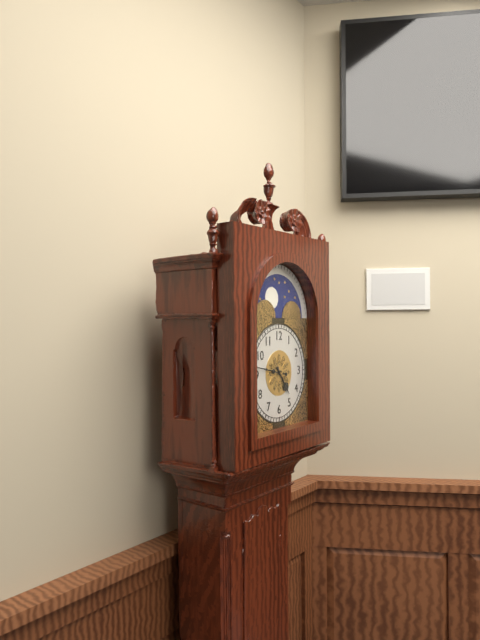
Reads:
h=4 m=47
